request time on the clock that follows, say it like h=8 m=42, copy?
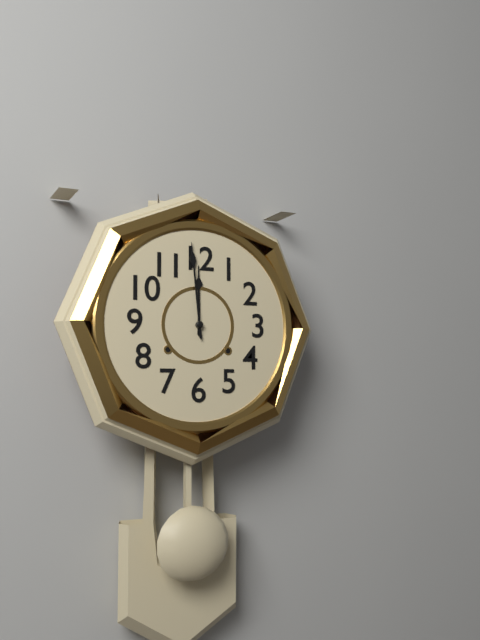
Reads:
h=11 m=59
